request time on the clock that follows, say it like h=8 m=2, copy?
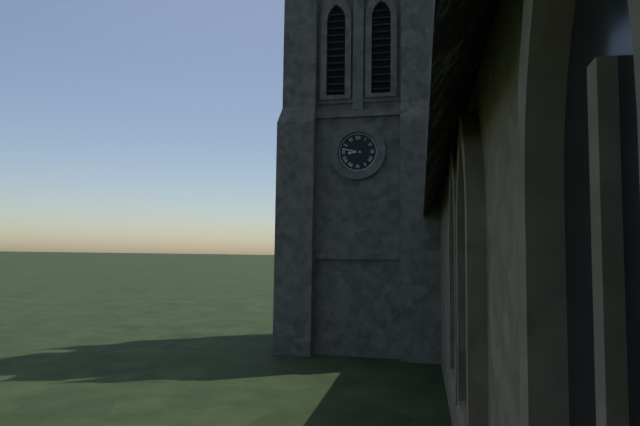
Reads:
h=8 m=47
